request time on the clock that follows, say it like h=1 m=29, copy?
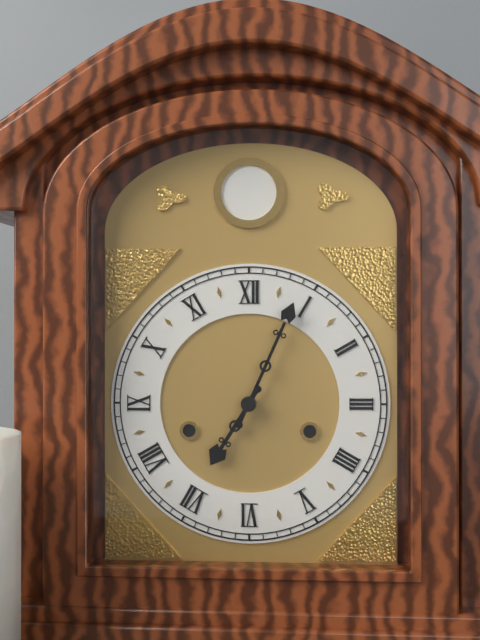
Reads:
h=7 m=4
